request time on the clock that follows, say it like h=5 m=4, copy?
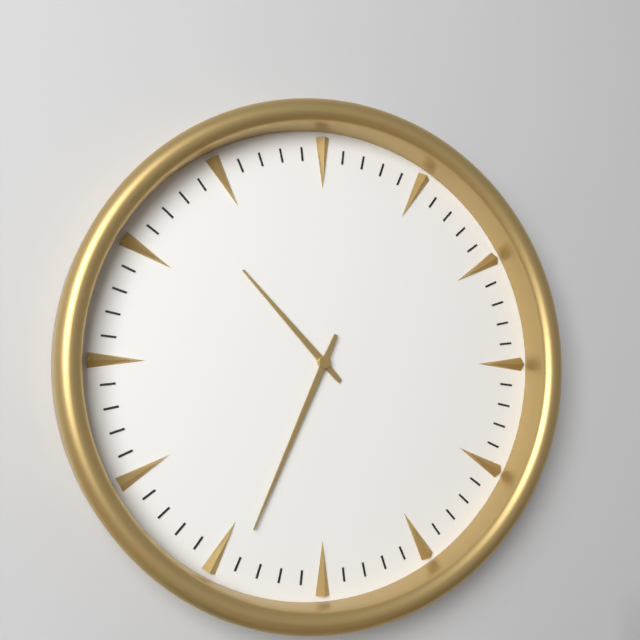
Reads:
h=10 m=34
